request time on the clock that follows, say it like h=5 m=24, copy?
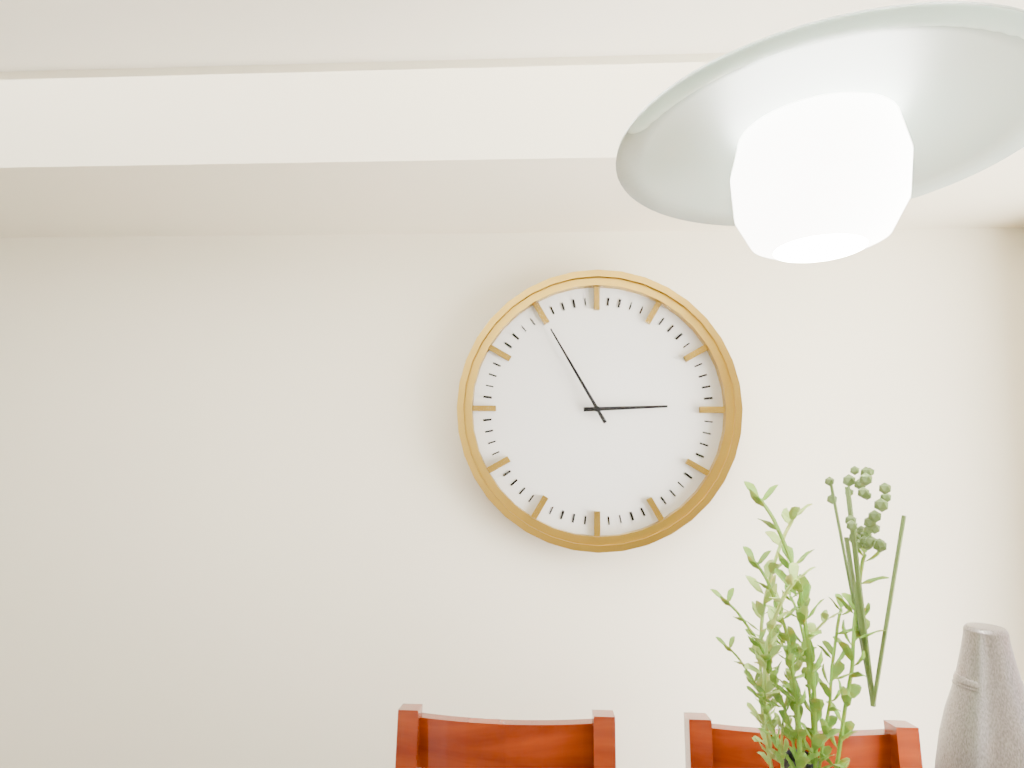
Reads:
h=2 m=55
